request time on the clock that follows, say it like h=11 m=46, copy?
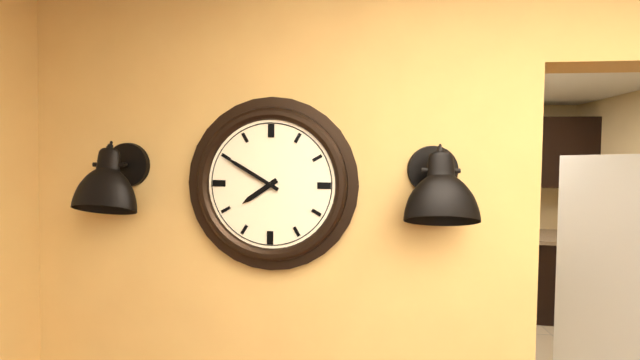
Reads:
h=7 m=50
